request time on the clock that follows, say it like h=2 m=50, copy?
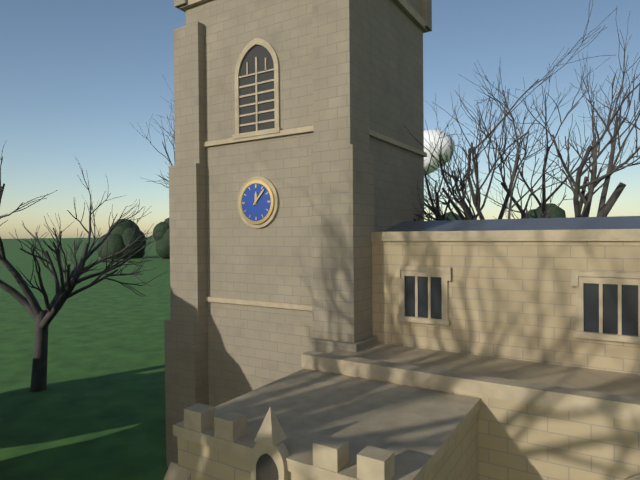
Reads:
h=12 m=7
